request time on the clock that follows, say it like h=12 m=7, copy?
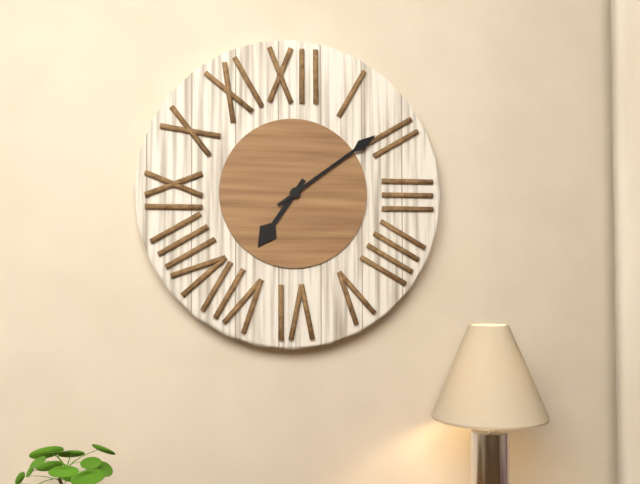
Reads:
h=7 m=9
